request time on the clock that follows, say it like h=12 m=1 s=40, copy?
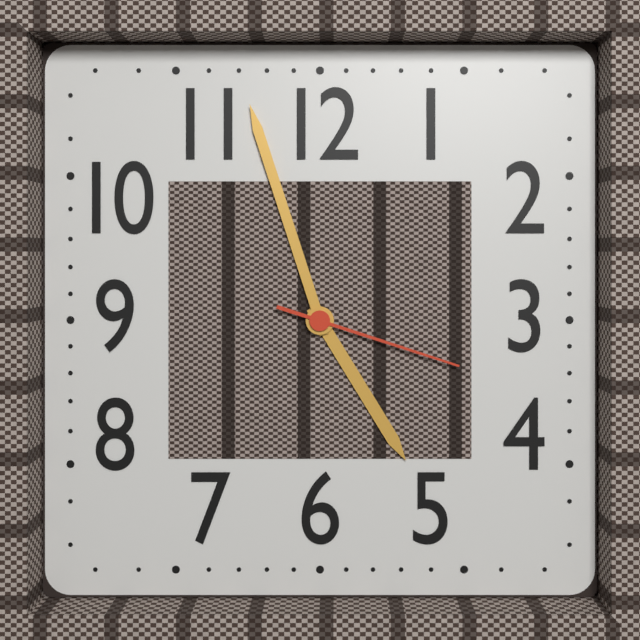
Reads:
h=4 m=57 s=18
